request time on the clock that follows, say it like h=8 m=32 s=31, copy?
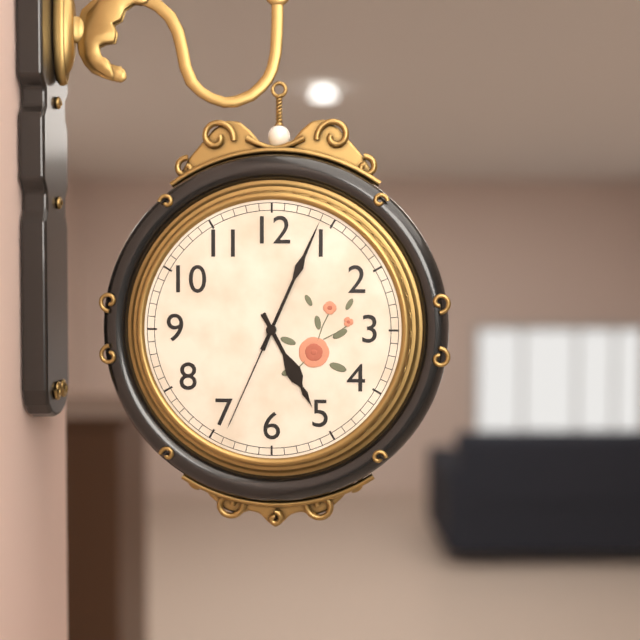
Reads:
h=5 m=4 s=34
